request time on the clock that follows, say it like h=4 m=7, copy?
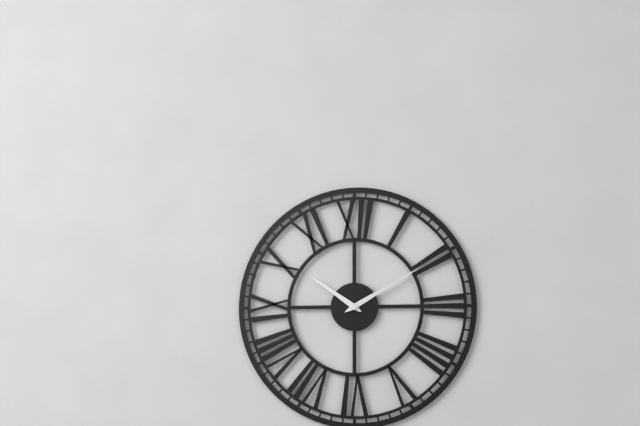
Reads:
h=10 m=10
